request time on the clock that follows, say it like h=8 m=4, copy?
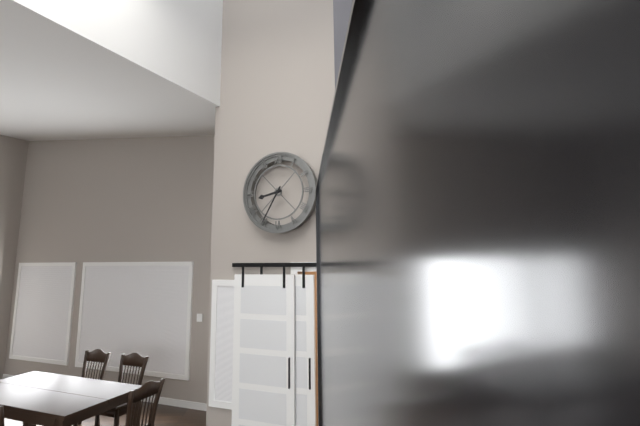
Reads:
h=8 m=35
